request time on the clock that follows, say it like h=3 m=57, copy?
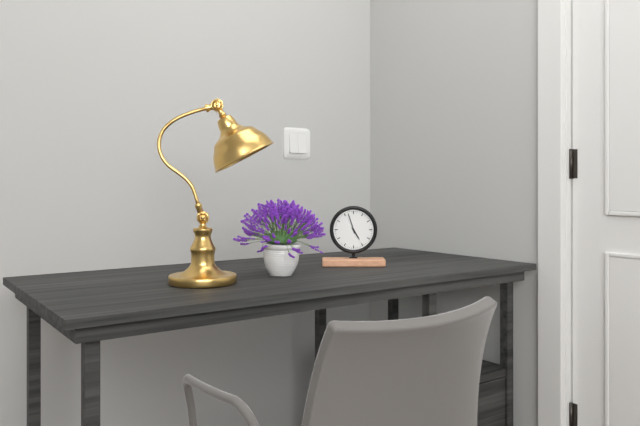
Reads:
h=4 m=57
